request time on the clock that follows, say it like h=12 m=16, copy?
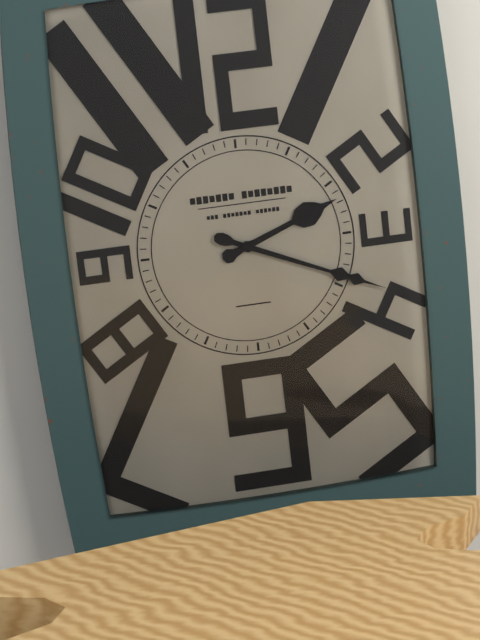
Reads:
h=2 m=19
